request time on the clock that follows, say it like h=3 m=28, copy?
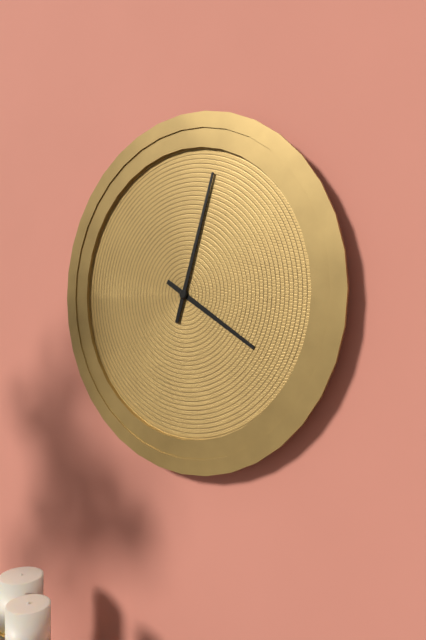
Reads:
h=4 m=3
